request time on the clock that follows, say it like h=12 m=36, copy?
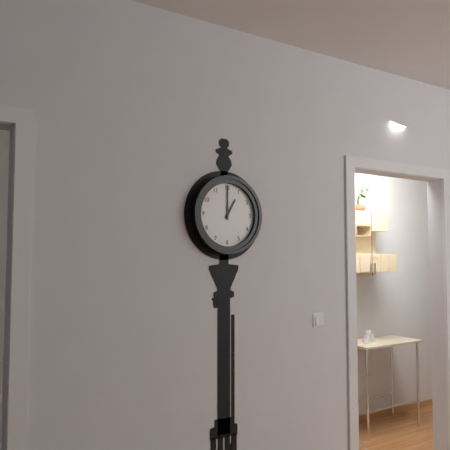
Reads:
h=1 m=0
